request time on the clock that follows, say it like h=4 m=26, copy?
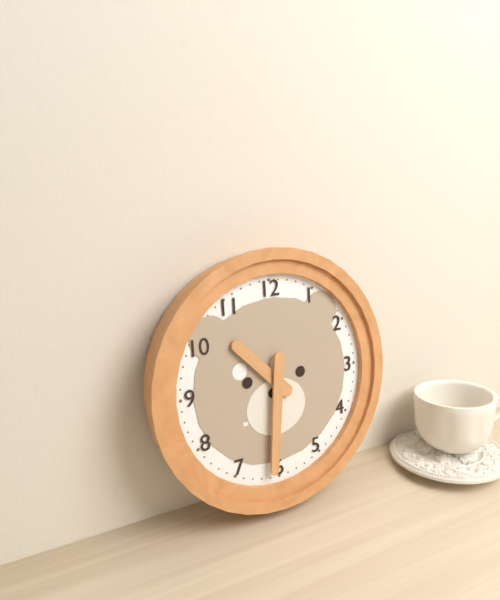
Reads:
h=10 m=31
